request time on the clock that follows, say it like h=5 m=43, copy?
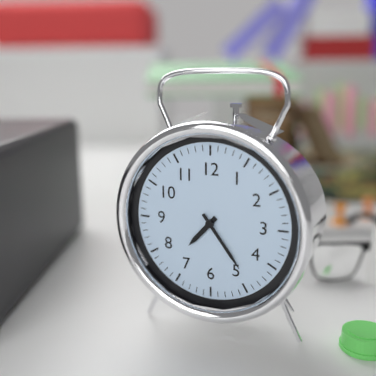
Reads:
h=7 m=24
